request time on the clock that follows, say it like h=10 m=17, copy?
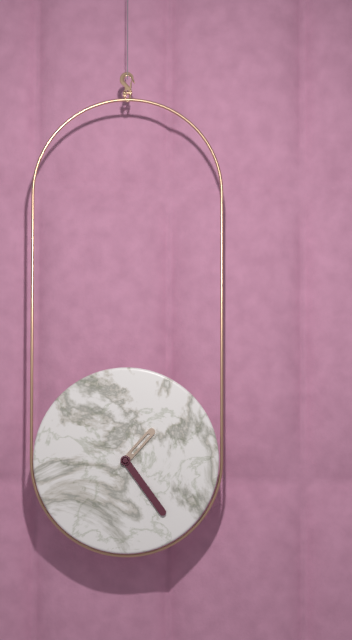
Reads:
h=1 m=24
